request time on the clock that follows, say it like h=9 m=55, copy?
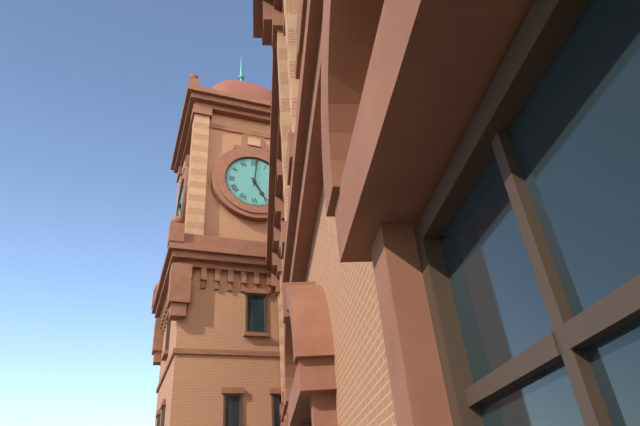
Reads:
h=5 m=1
